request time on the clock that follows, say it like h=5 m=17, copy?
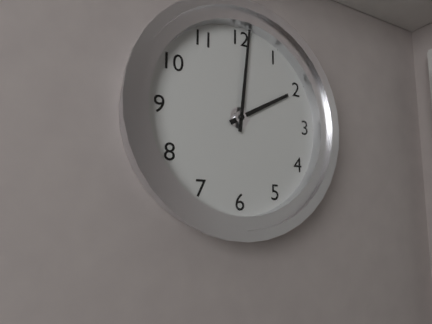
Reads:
h=2 m=1
